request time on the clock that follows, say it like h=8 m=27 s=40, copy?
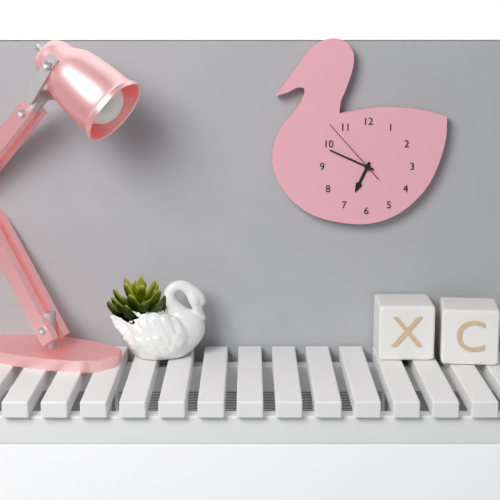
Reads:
h=6 m=49 s=53
